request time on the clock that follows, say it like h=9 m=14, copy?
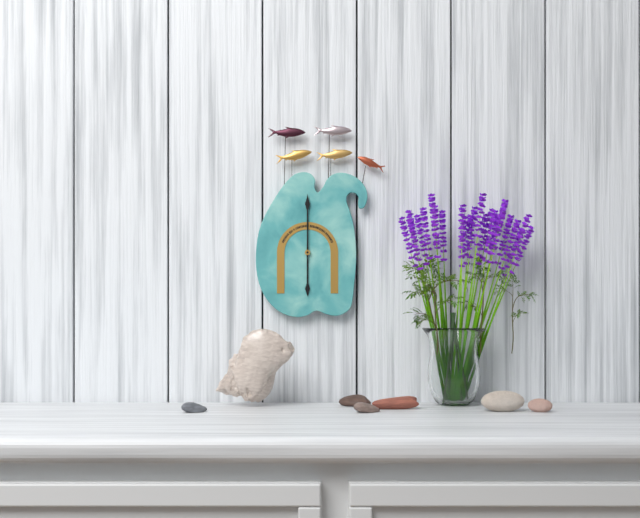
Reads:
h=6 m=0
